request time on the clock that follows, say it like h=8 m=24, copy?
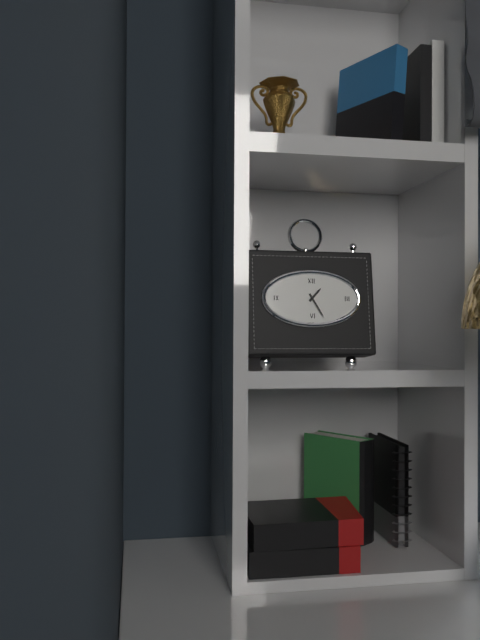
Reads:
h=1 m=25
